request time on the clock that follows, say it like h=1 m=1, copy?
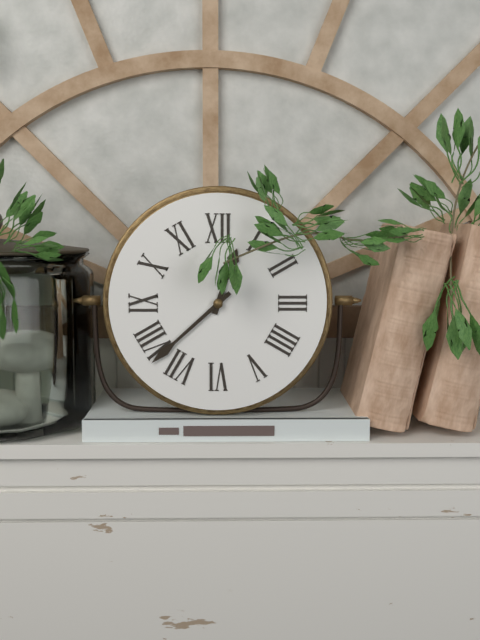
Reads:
h=12 m=38
